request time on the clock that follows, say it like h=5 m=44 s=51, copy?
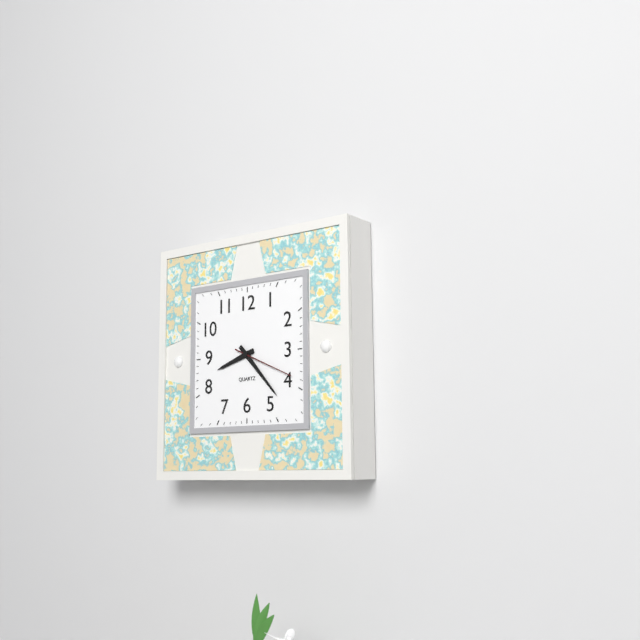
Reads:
h=8 m=23 s=19
